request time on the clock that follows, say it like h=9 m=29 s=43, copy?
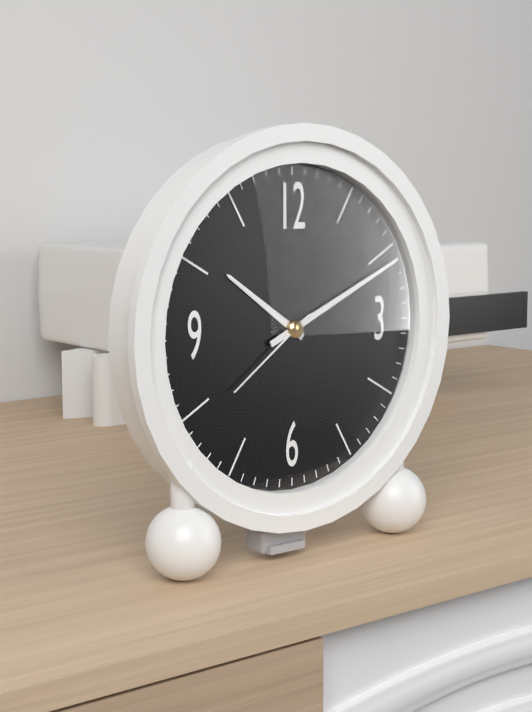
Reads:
h=10 m=11 s=39
